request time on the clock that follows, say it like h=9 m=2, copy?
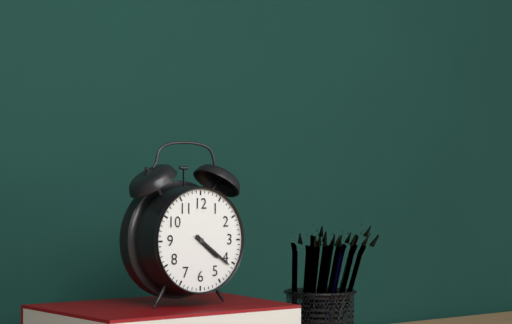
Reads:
h=4 m=21
